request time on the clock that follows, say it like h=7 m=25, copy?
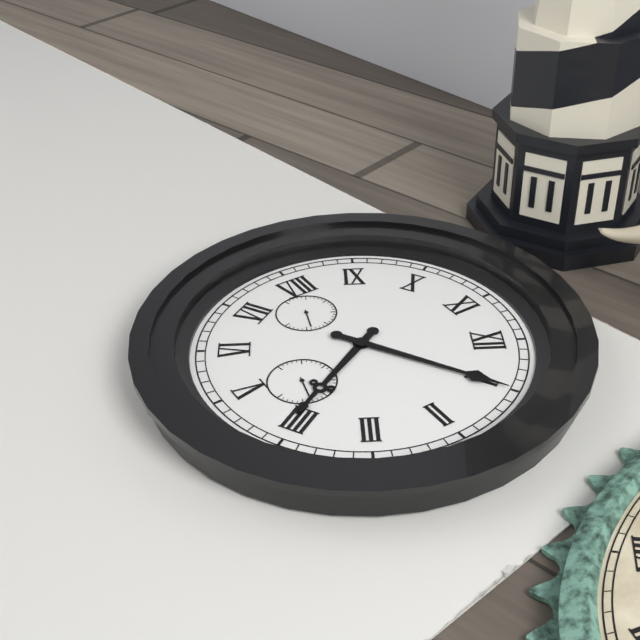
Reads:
h=4 m=5
